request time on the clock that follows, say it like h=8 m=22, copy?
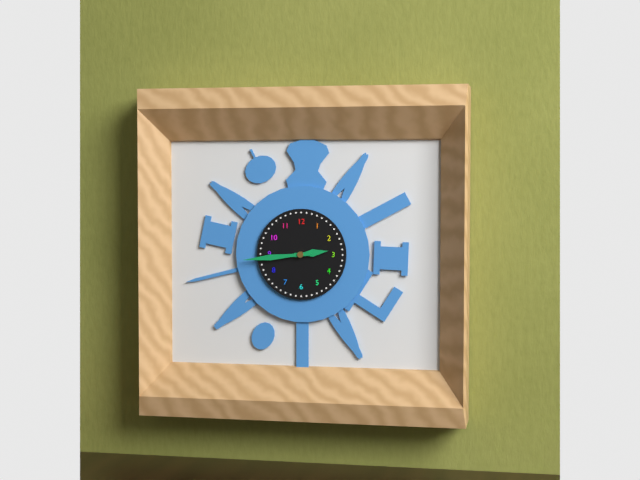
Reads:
h=2 m=44
